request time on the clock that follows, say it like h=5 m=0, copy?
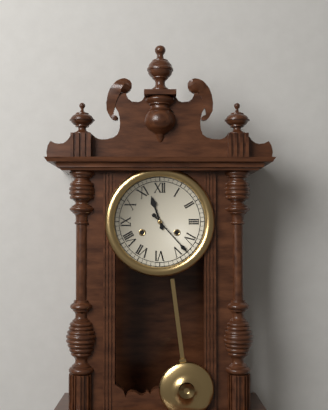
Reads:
h=11 m=23
